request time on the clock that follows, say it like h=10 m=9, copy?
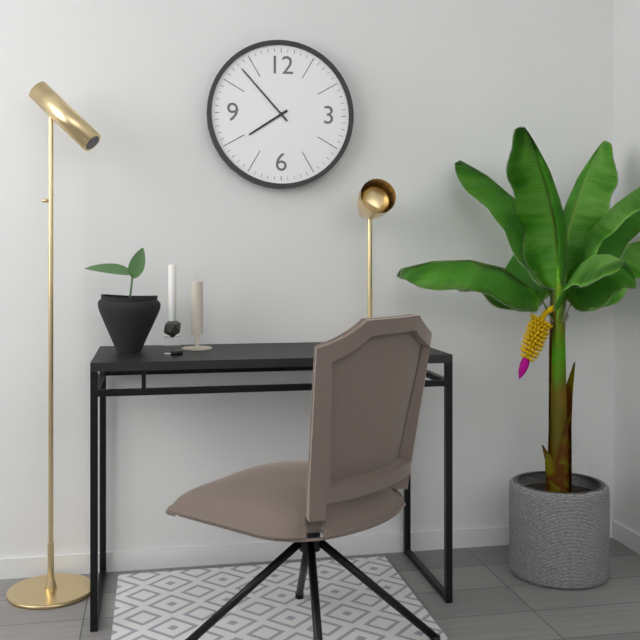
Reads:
h=7 m=53
